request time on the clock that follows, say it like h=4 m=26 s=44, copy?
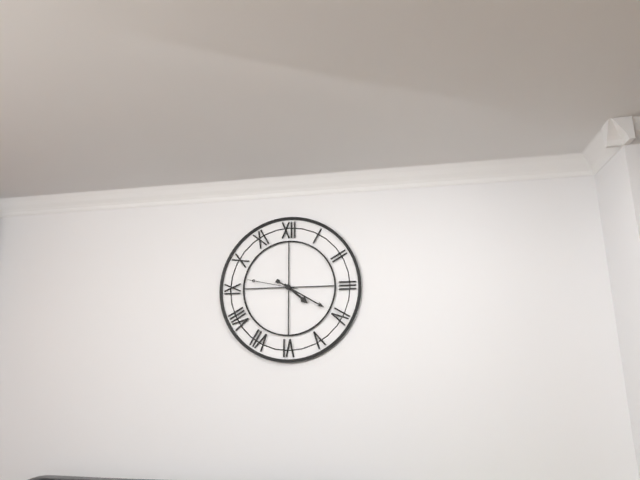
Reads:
h=4 m=20 s=47
